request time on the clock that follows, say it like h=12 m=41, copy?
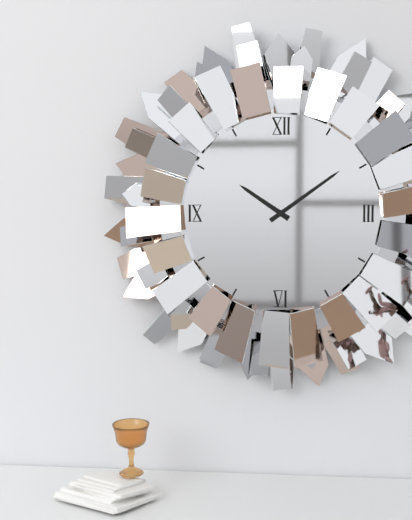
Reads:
h=10 m=9
